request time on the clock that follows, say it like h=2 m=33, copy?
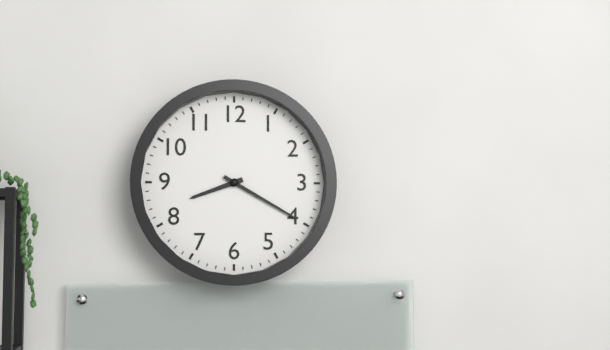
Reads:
h=8 m=20
